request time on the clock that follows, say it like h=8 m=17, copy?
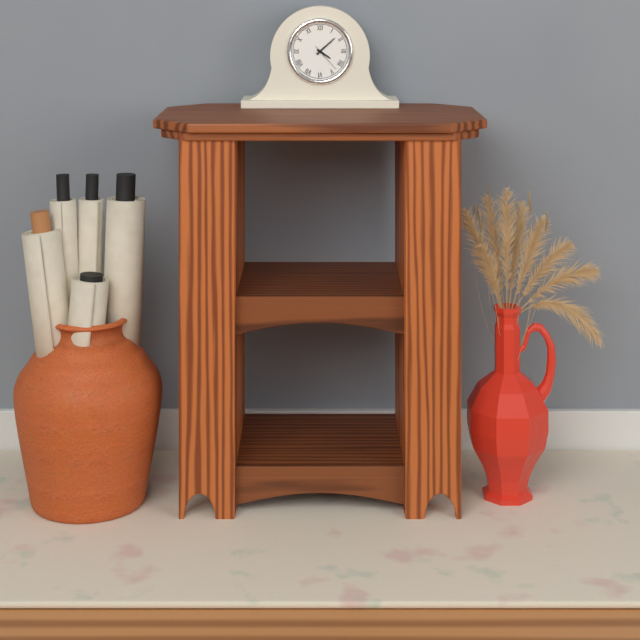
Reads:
h=4 m=8
